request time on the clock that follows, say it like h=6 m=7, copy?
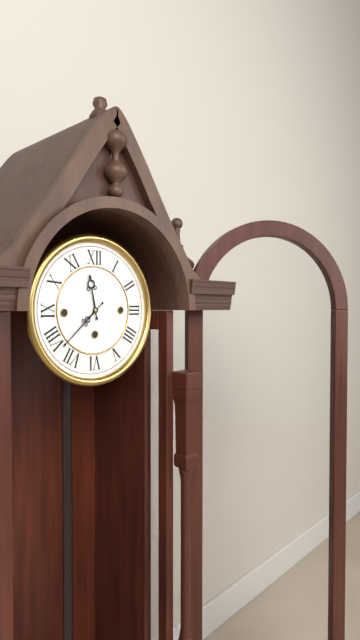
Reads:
h=11 m=38
